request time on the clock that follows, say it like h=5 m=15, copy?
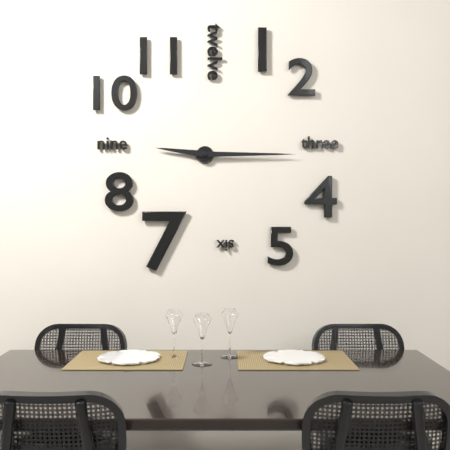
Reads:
h=9 m=15
